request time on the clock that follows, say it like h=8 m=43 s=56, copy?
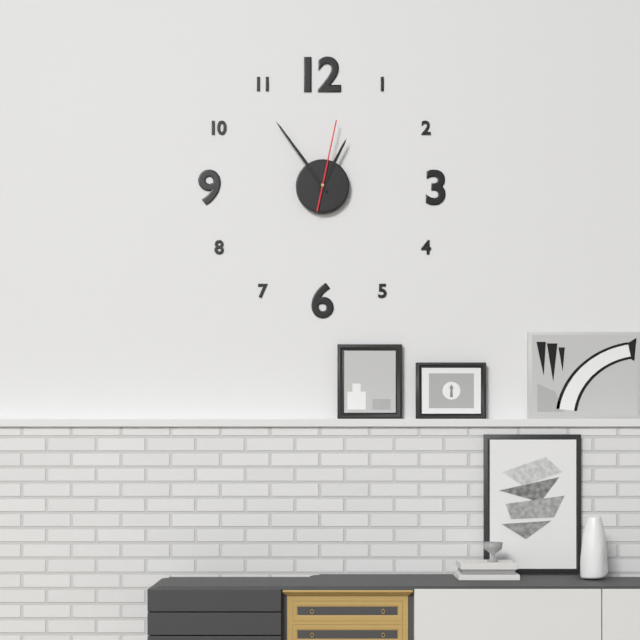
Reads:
h=12 m=54 s=2
